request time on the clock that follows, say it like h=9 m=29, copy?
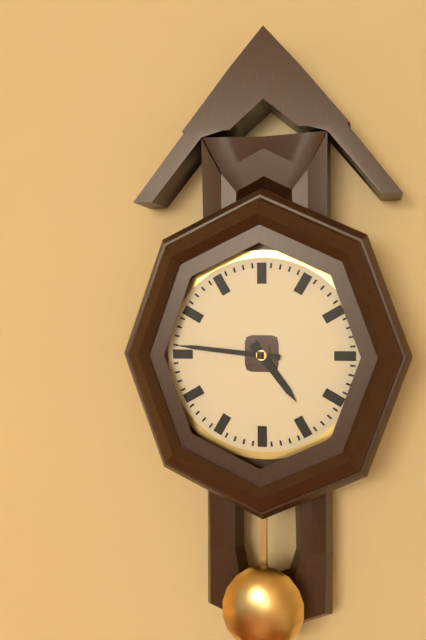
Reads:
h=4 m=46
